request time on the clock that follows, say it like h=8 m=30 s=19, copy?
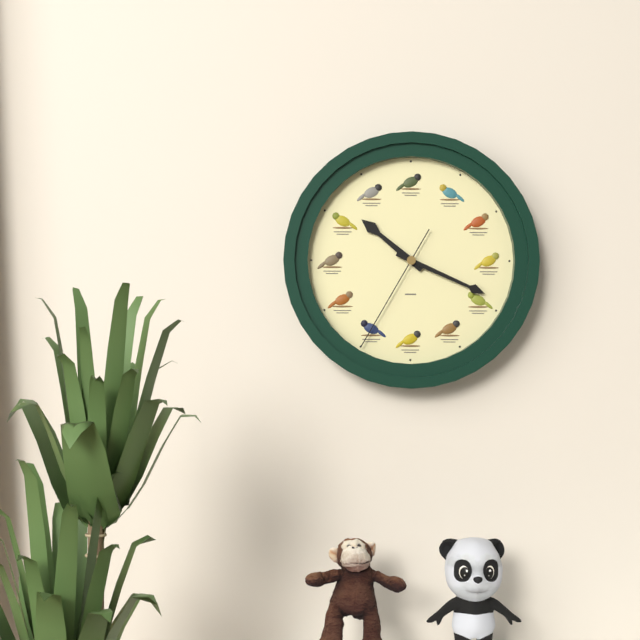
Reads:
h=10 m=19 s=35
